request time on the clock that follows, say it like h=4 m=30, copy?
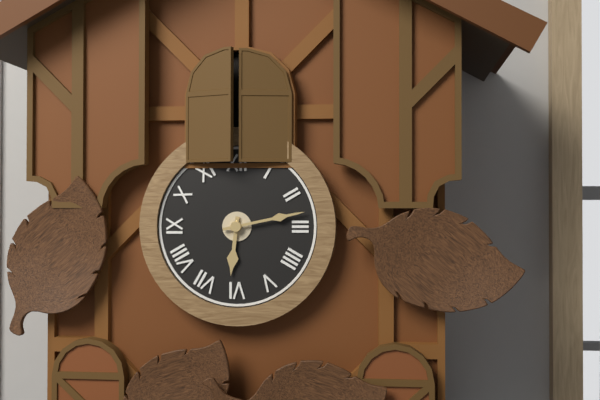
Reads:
h=6 m=13
